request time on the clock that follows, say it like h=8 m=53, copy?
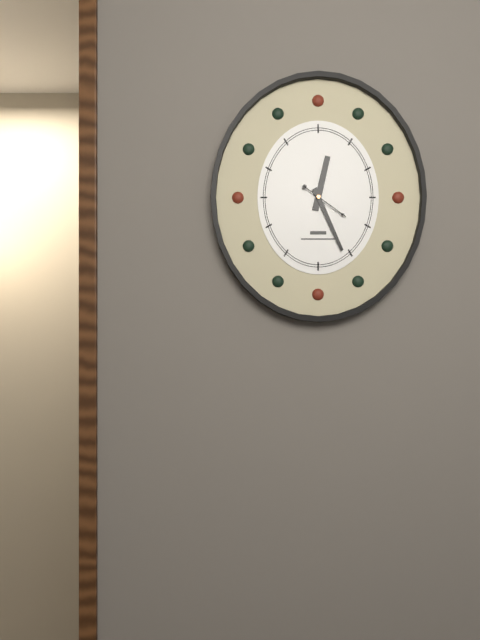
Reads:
h=12 m=26
